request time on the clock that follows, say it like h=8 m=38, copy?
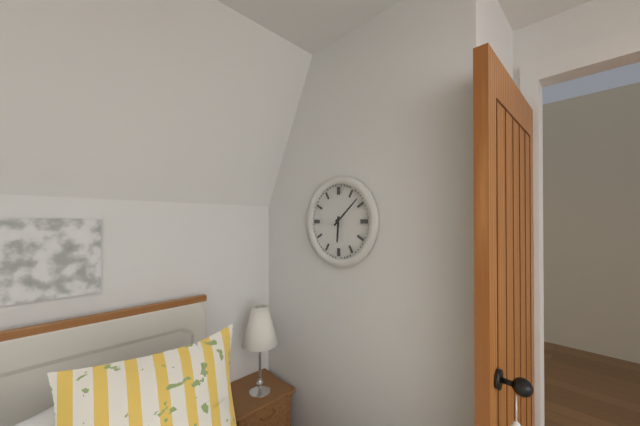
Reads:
h=6 m=8
